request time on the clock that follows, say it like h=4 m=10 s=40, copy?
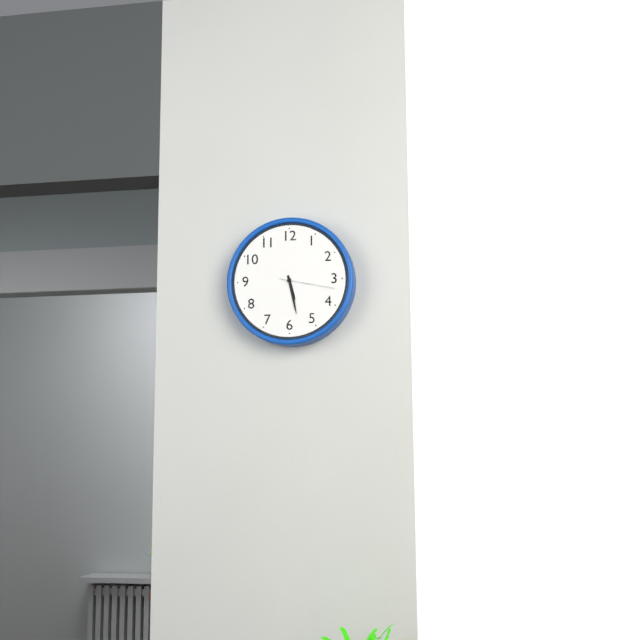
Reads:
h=5 m=28 s=17
